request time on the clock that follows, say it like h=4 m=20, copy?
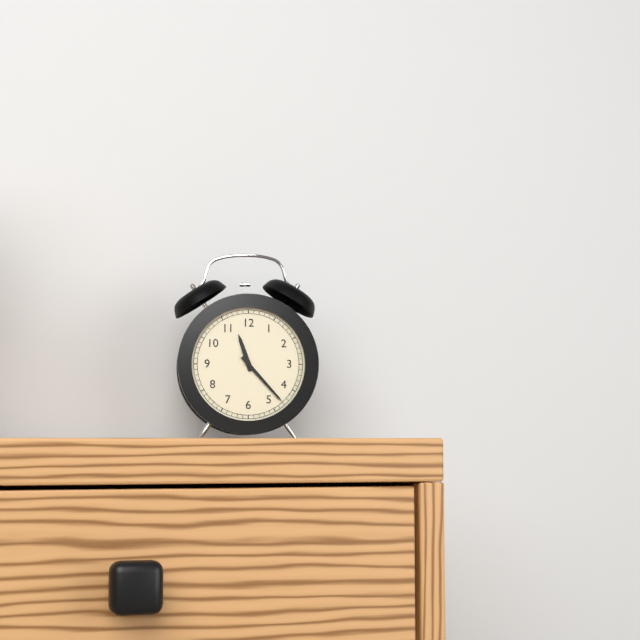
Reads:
h=11 m=23
